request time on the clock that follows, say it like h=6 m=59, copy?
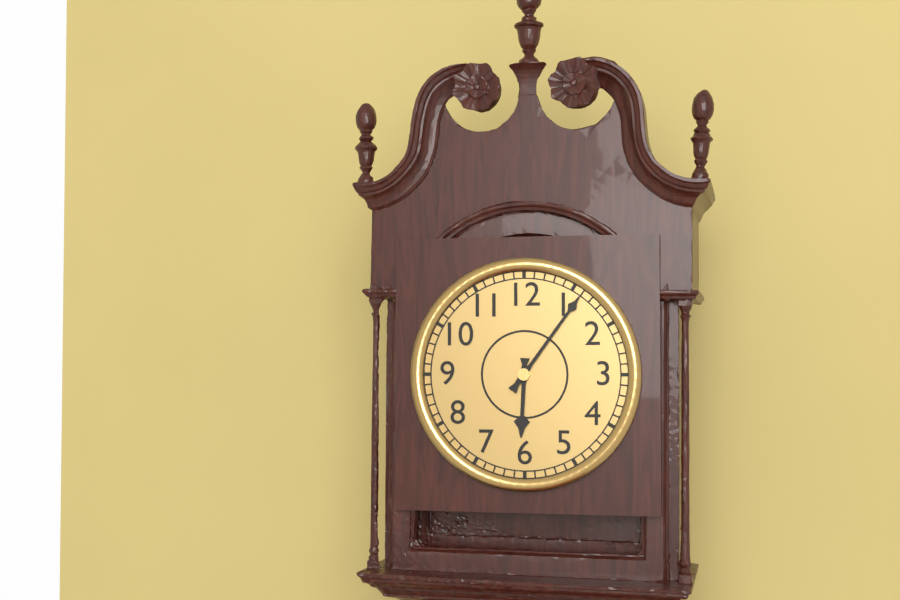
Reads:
h=6 m=6
